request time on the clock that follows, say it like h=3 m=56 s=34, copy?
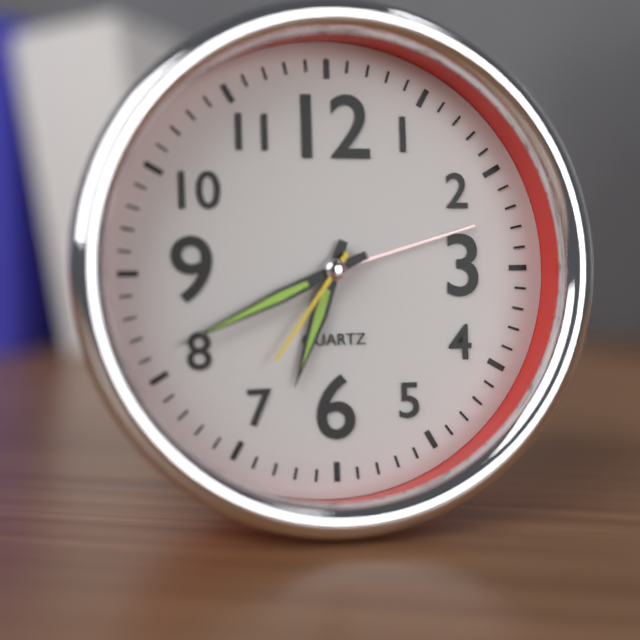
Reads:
h=6 m=41 s=36
